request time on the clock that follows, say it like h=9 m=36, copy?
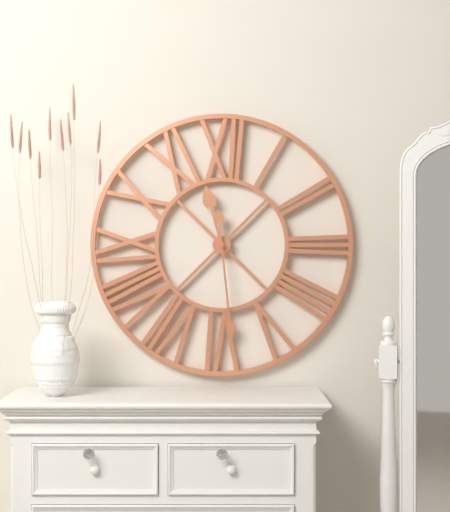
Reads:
h=11 m=29
